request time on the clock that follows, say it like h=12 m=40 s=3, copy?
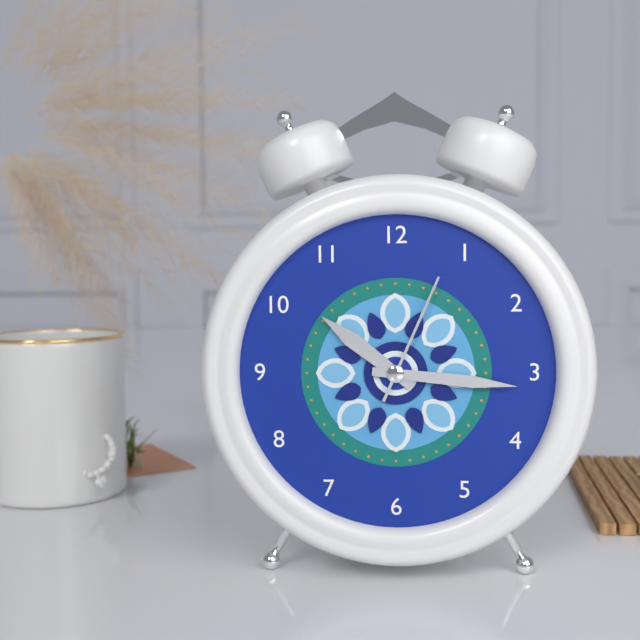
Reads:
h=10 m=16 s=4
